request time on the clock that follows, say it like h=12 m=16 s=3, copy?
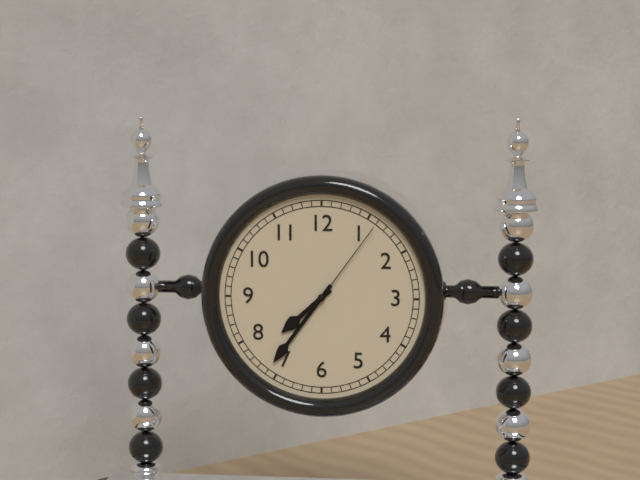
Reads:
h=7 m=36 s=6
